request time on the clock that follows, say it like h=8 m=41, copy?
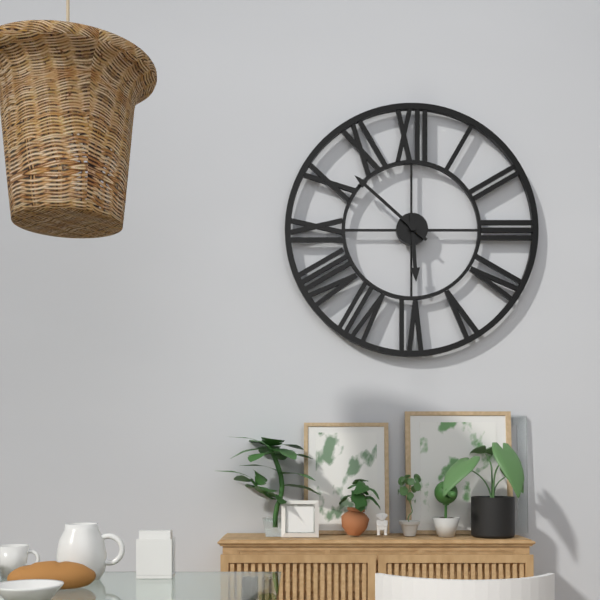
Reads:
h=5 m=52
